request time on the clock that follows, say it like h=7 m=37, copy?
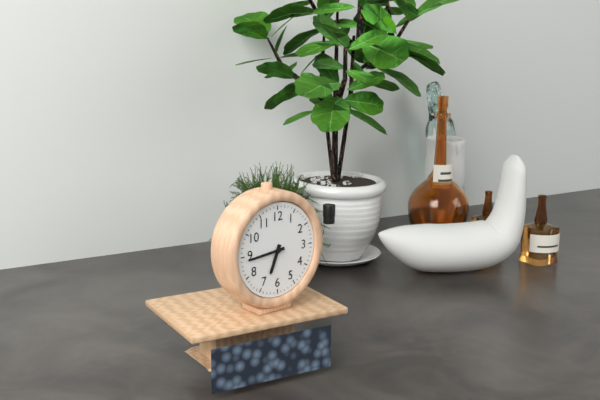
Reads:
h=6 m=44
